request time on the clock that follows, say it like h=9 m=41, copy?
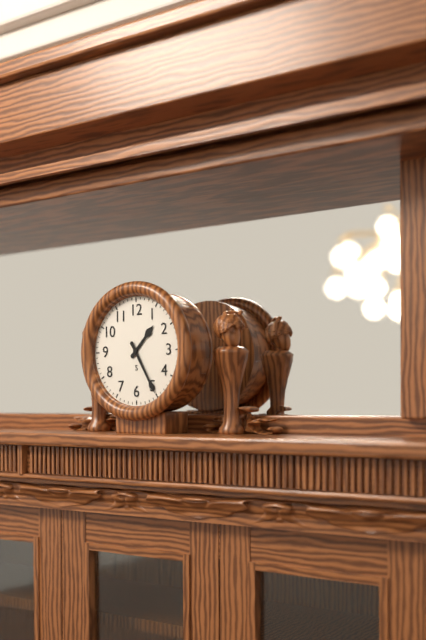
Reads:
h=1 m=25
